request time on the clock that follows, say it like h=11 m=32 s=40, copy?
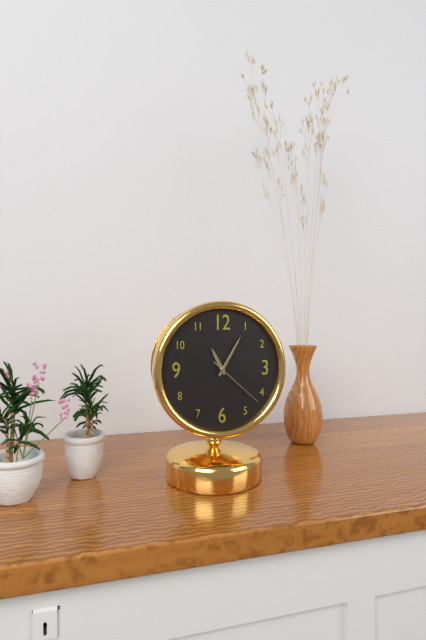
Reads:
h=11 m=5 s=22
